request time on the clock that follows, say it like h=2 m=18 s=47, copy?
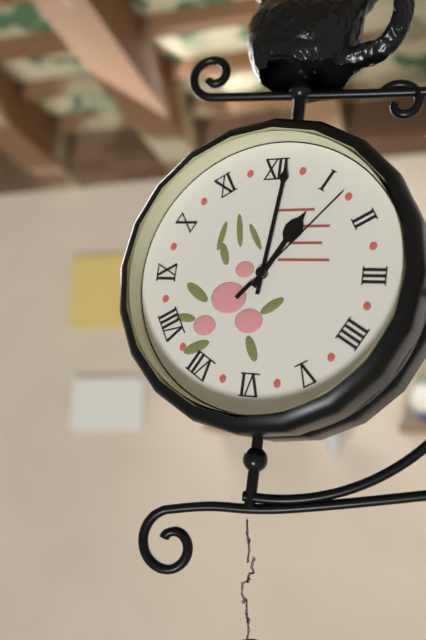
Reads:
h=1 m=1 s=7
